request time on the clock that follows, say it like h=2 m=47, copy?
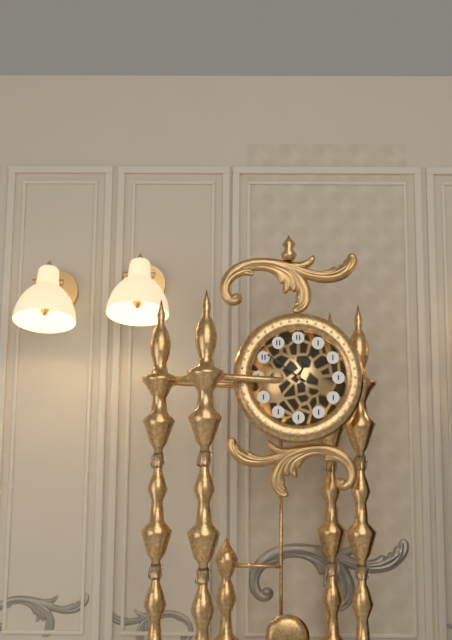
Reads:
h=12 m=51
